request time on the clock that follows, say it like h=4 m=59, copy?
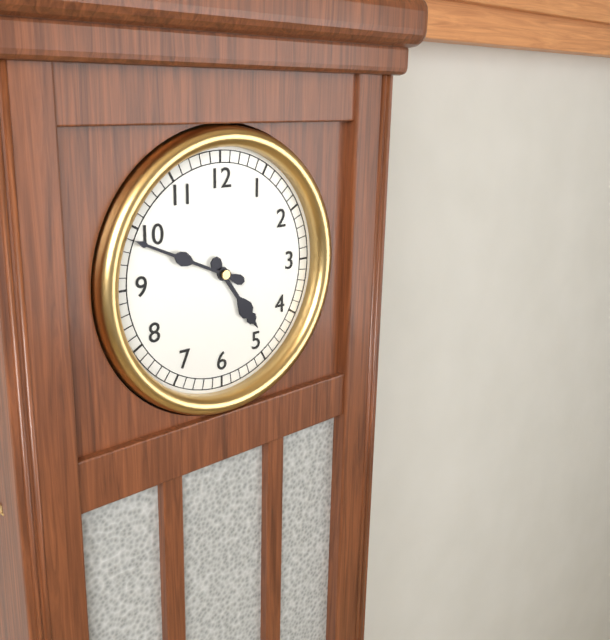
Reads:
h=4 m=49
